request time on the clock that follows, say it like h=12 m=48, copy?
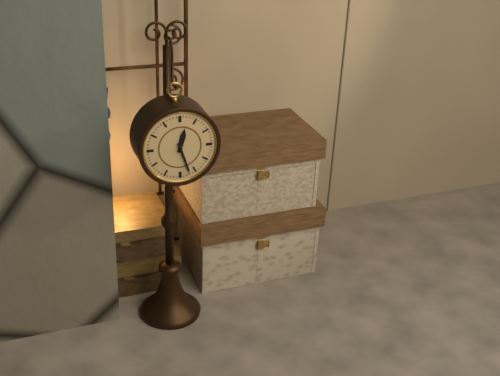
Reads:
h=12 m=27
